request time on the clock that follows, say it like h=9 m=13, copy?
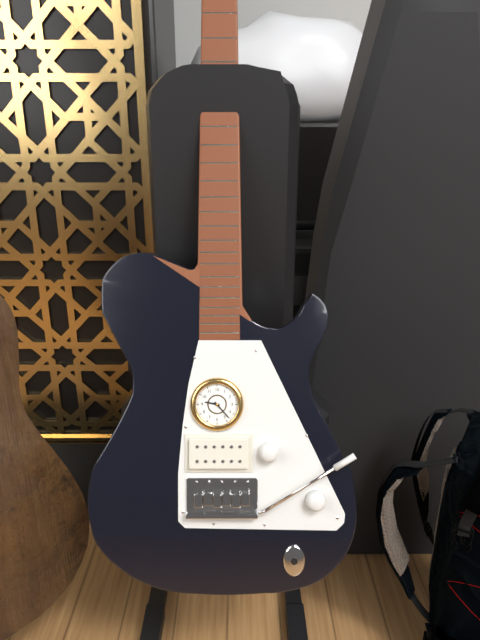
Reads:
h=9 m=23
